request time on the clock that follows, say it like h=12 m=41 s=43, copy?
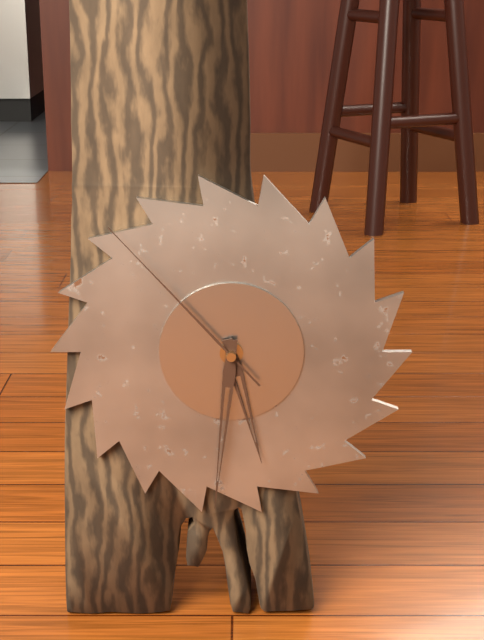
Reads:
h=5 m=31 s=53
